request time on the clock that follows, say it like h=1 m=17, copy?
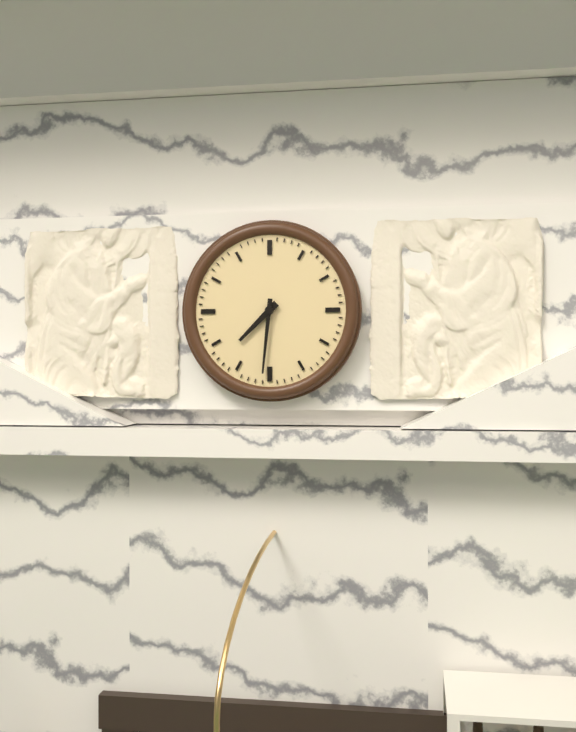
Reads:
h=7 m=31
